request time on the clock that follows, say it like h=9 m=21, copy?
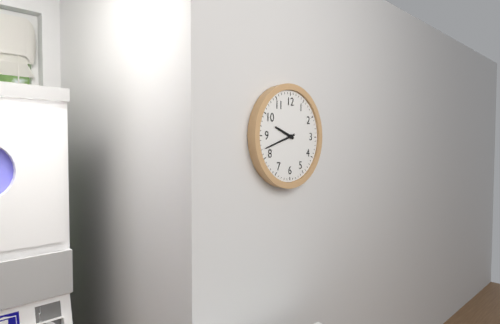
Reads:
h=9 m=42
